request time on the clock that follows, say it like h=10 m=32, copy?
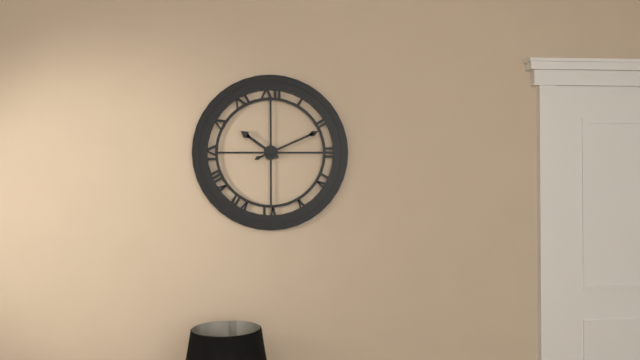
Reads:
h=10 m=11
